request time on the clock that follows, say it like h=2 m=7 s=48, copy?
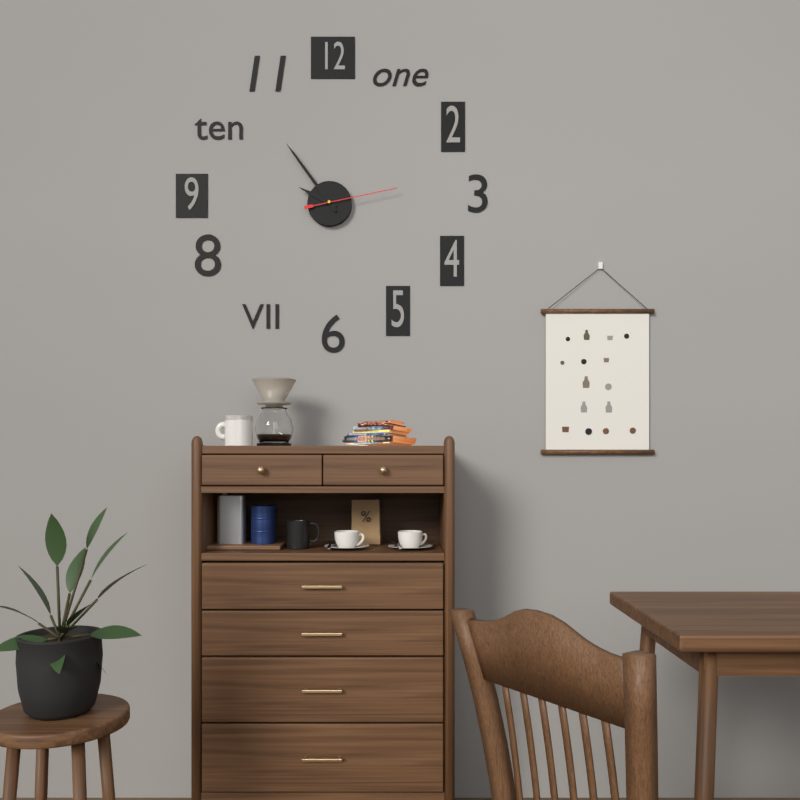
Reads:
h=9 m=54 s=13
